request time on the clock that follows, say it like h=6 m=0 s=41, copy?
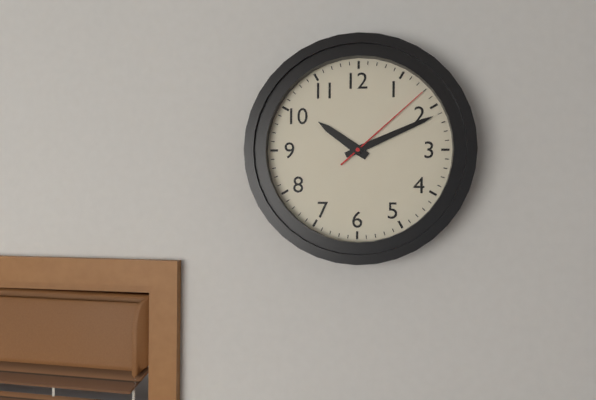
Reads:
h=10 m=11 s=8
